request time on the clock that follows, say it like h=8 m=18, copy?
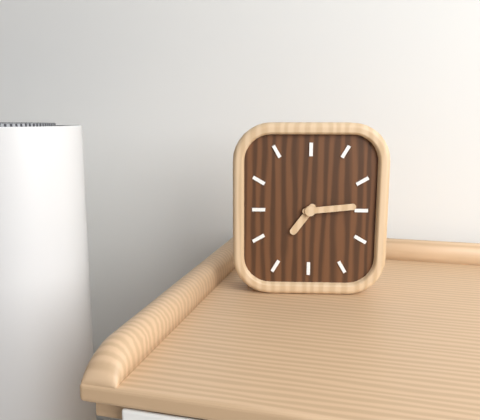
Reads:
h=7 m=14
